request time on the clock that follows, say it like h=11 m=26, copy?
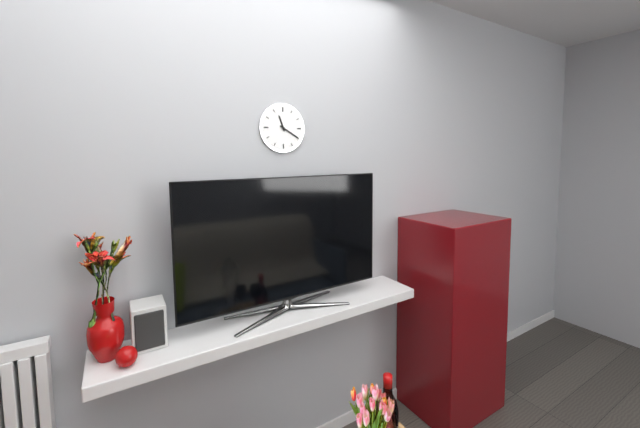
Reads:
h=11 m=20
